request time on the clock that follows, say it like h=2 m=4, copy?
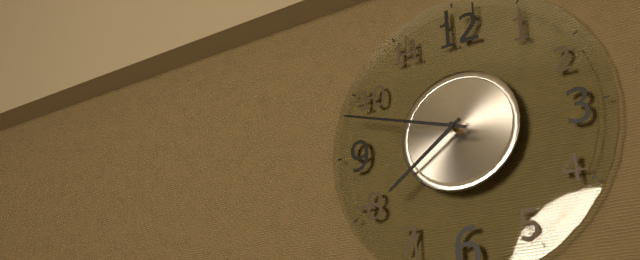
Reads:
h=7 m=48
